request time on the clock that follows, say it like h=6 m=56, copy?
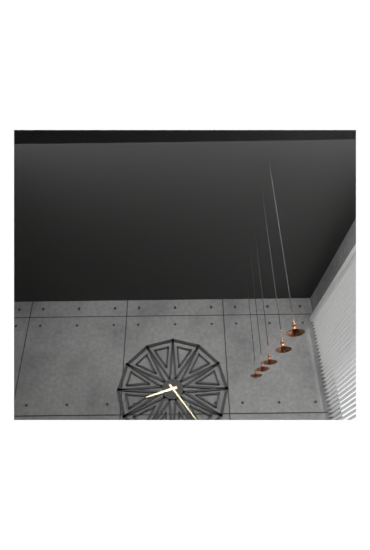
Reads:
h=8 m=24
